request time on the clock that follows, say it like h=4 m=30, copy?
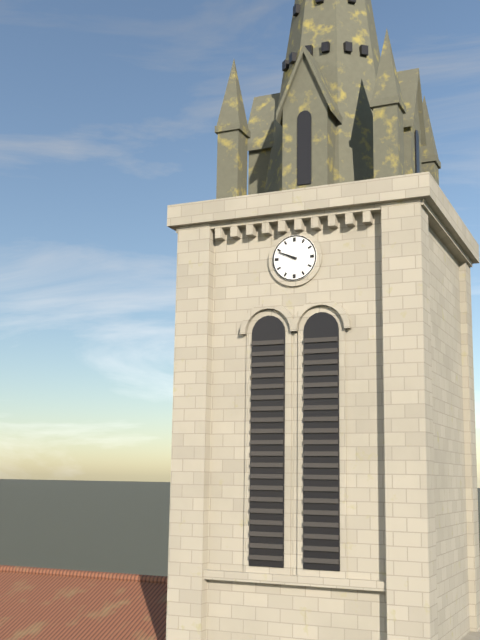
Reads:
h=9 m=49
